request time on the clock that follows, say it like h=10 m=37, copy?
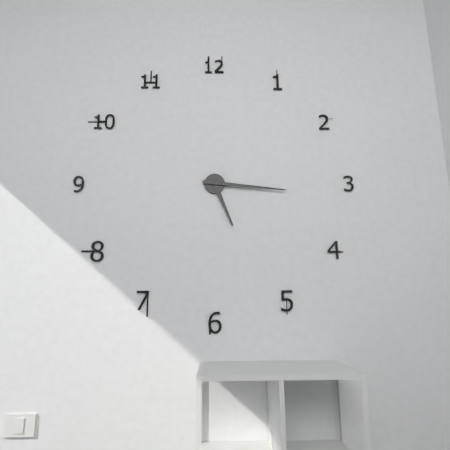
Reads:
h=5 m=16
